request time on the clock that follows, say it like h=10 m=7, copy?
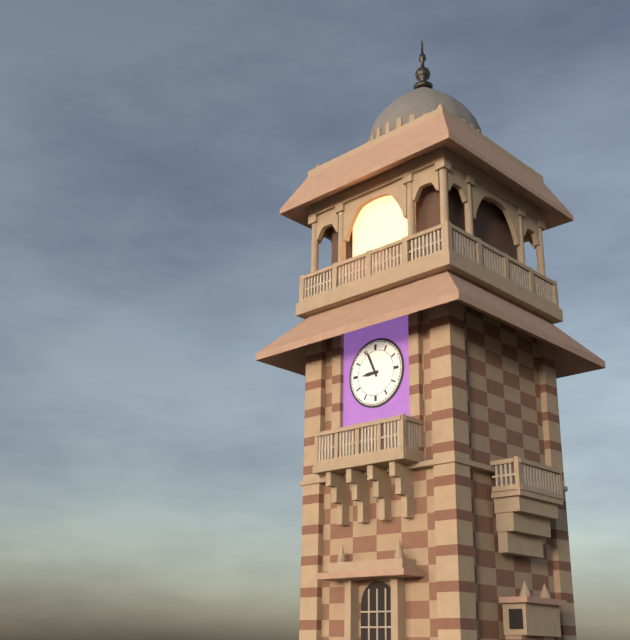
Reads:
h=8 m=56
